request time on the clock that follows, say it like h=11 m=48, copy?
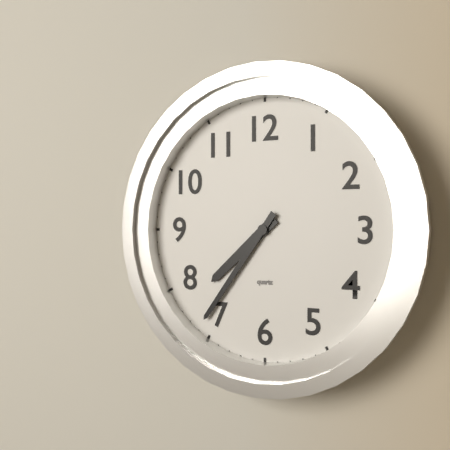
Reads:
h=7 m=36
